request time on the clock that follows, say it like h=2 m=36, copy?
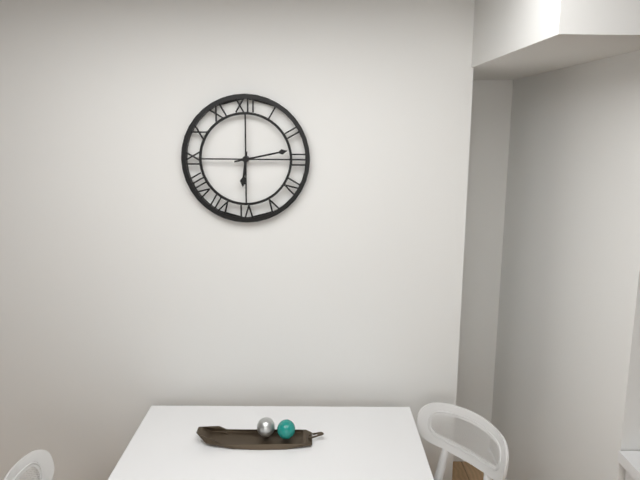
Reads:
h=6 m=13
